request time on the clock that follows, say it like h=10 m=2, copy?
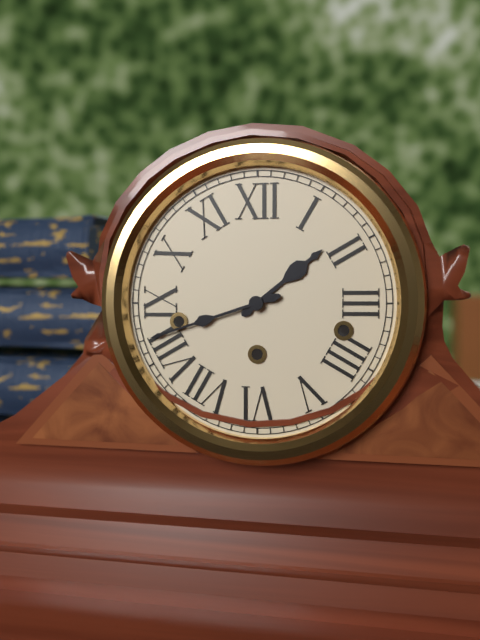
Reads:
h=1 m=42
